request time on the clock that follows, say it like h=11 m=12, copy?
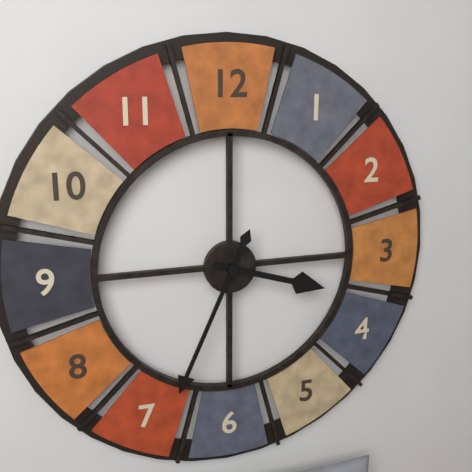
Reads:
h=3 m=34
